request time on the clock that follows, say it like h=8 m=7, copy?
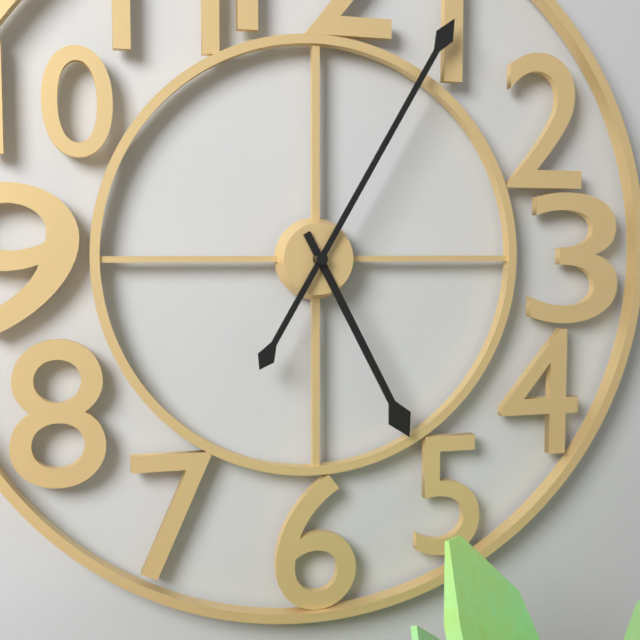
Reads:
h=5 m=5
